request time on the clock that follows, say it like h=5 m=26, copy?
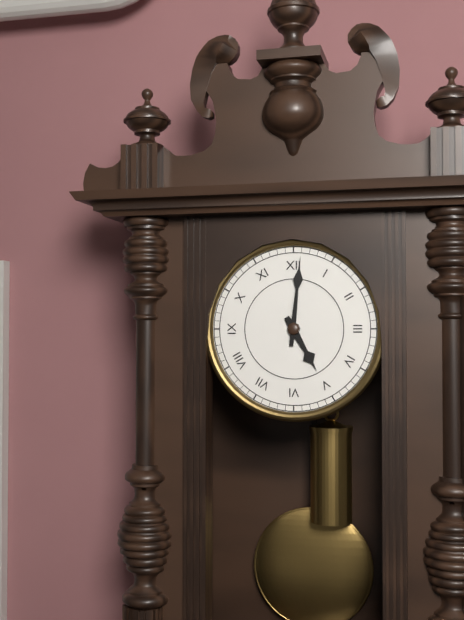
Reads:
h=5 m=1
